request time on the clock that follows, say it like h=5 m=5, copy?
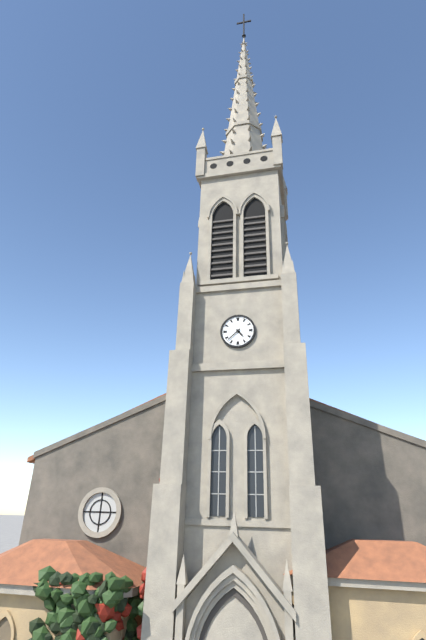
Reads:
h=4 m=38
